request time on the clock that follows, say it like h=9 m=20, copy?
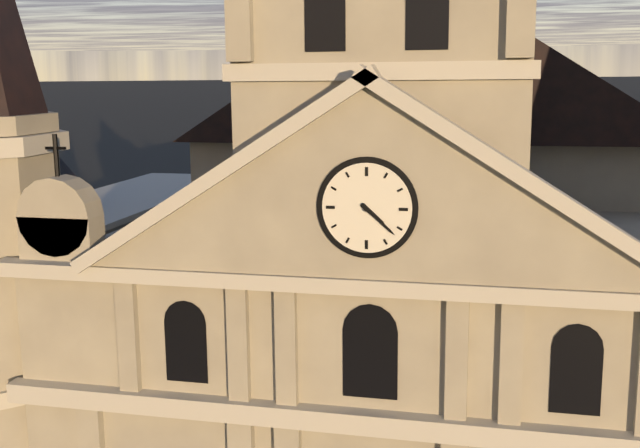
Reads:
h=4 m=22
